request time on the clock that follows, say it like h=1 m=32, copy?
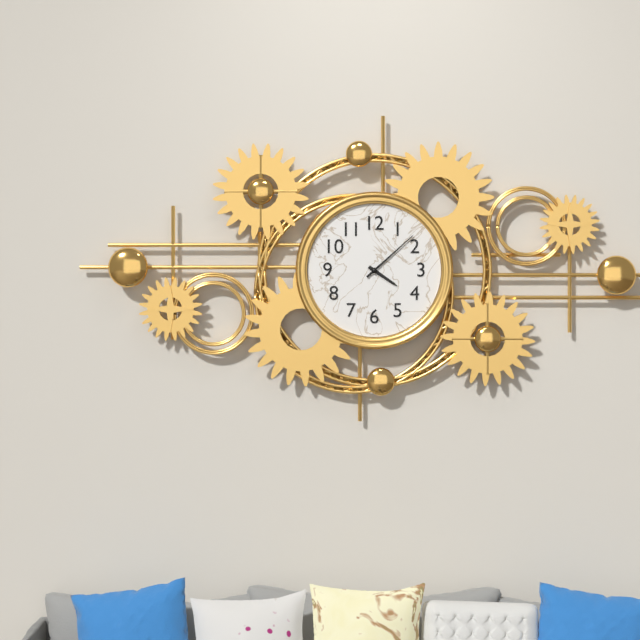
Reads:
h=4 m=8
